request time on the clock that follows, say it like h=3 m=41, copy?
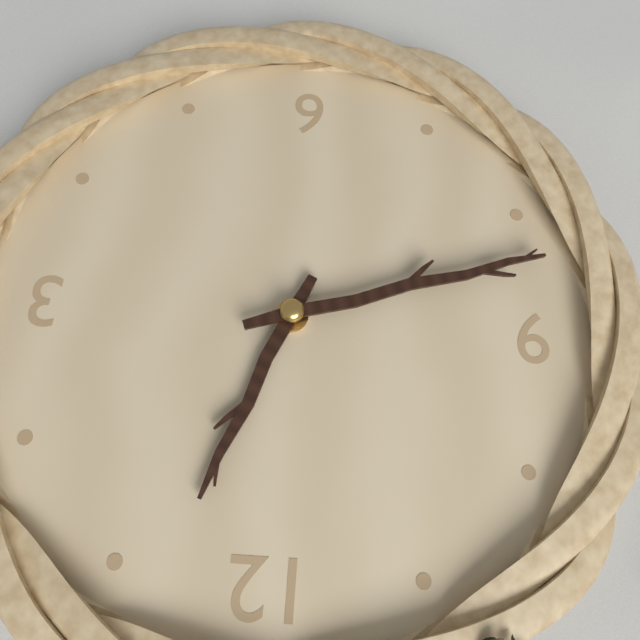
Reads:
h=12 m=42
